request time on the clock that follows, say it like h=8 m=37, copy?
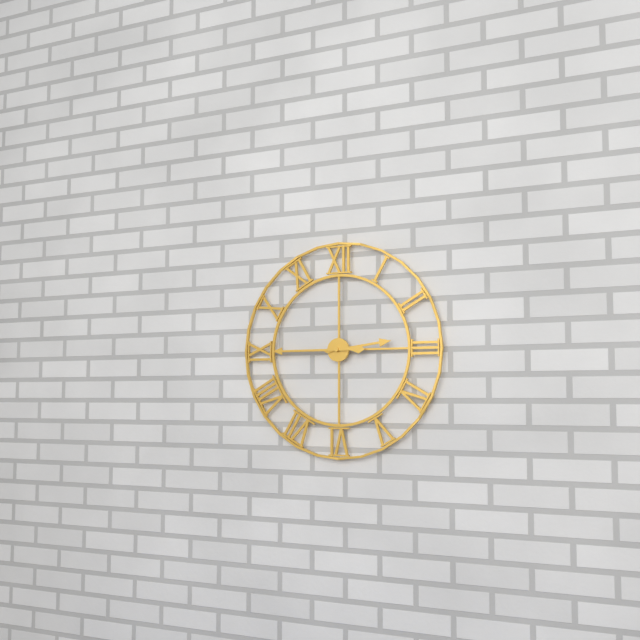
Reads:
h=2 m=45
